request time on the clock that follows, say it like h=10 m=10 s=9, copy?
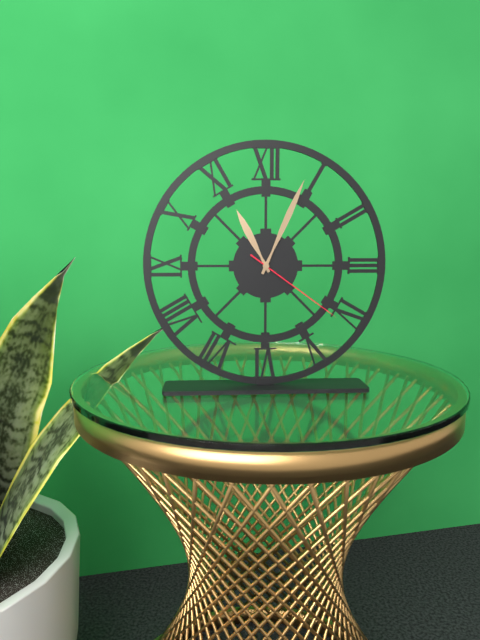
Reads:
h=11 m=4 s=21
